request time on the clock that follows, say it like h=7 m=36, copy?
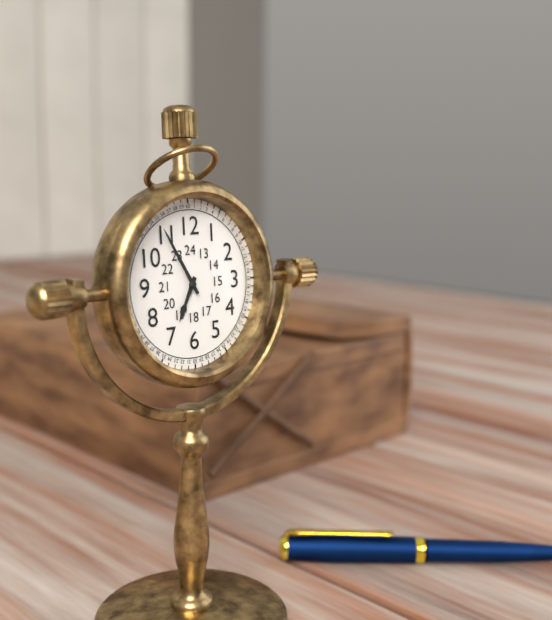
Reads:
h=6 m=55
